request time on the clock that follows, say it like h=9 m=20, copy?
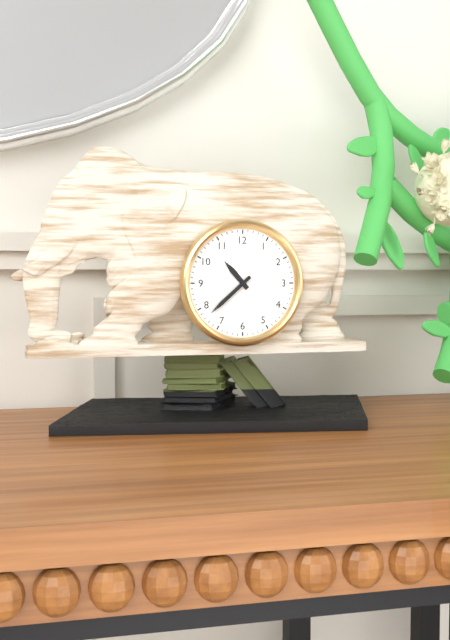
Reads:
h=10 m=38
